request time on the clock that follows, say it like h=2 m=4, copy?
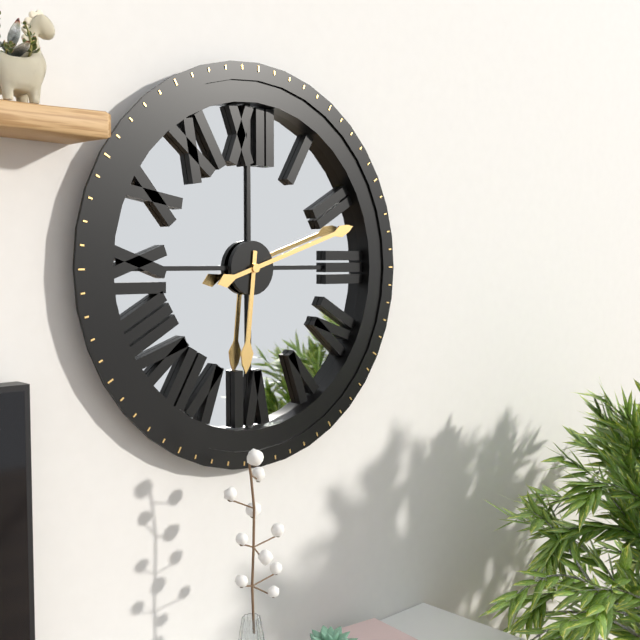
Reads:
h=6 m=12
